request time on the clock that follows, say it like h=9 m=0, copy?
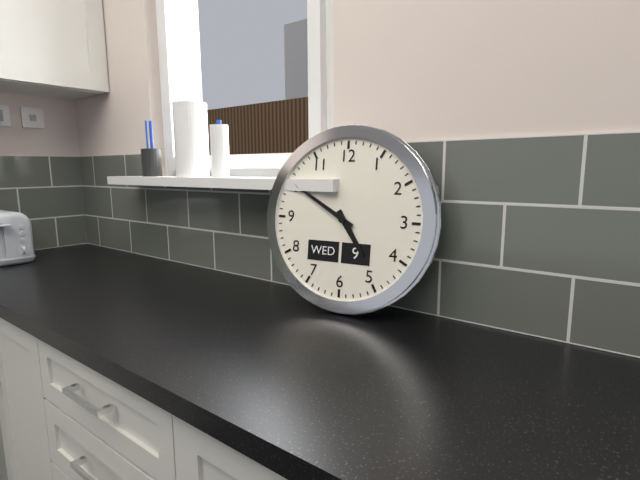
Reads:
h=4 m=50
